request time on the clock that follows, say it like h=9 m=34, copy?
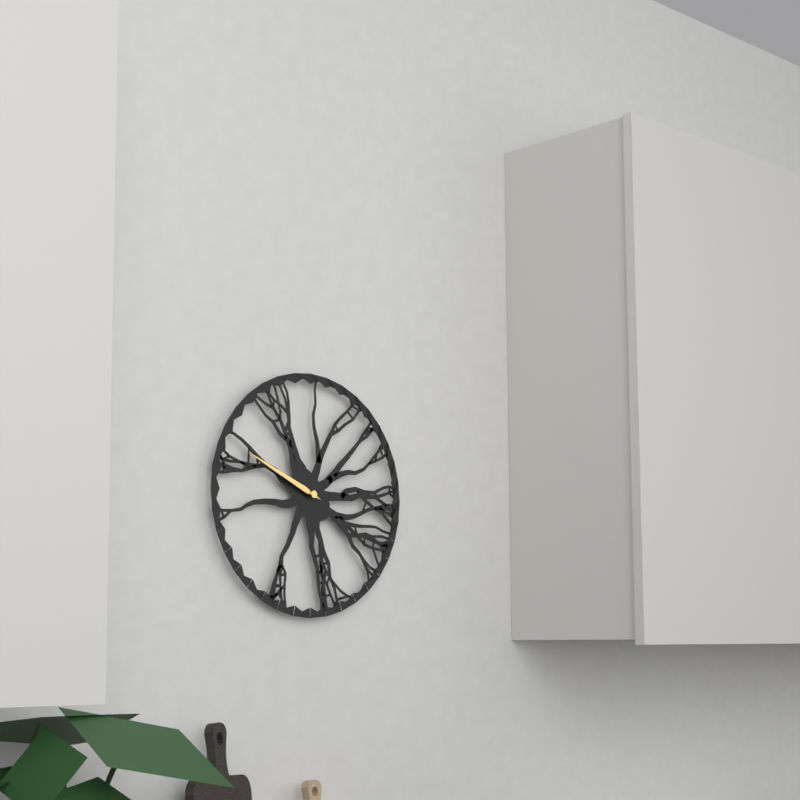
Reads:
h=9 m=49
